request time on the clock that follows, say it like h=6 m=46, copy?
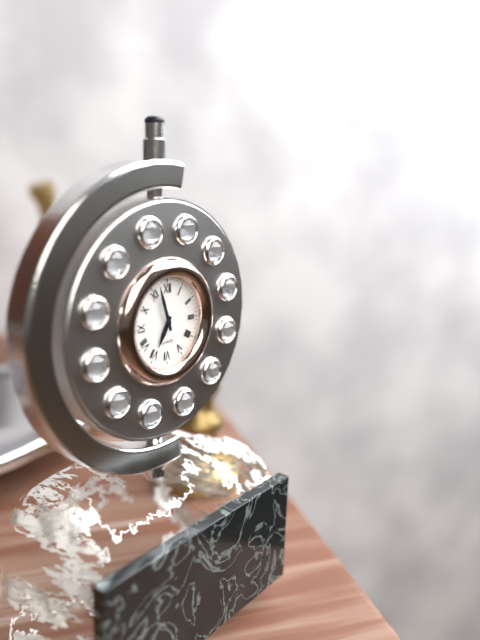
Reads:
h=6 m=57
